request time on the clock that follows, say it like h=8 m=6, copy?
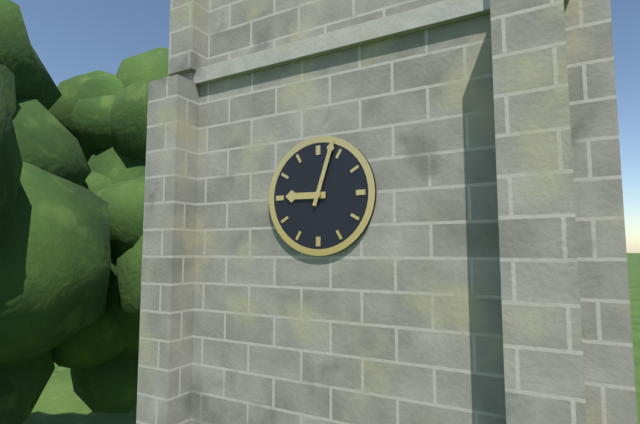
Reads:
h=9 m=3
